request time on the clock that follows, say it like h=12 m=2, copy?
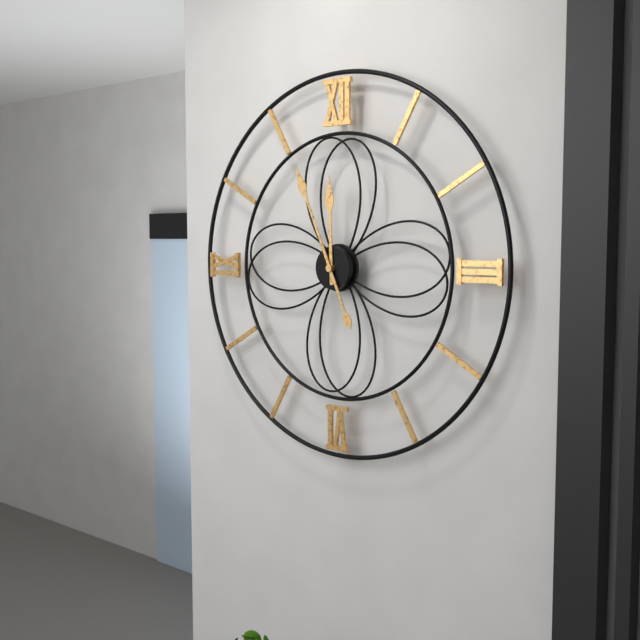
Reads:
h=11 m=56
